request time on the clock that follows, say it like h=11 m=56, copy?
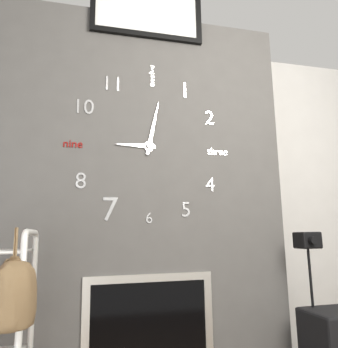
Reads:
h=9 m=2
